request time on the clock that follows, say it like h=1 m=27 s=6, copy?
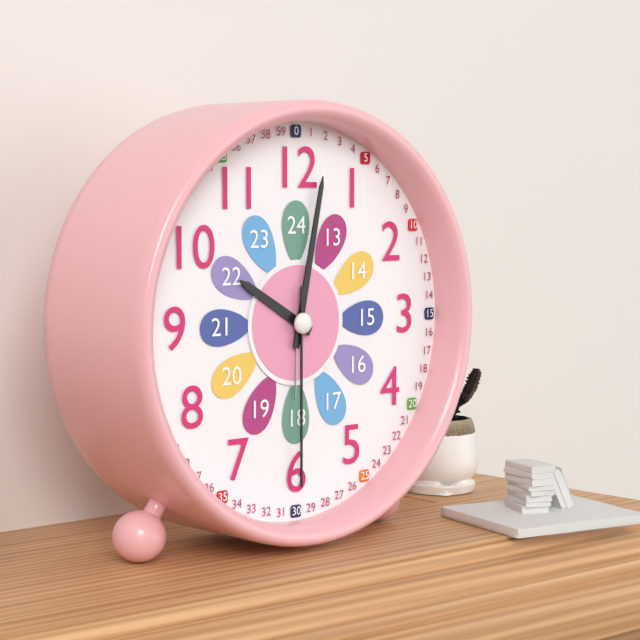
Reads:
h=10 m=2 s=30
